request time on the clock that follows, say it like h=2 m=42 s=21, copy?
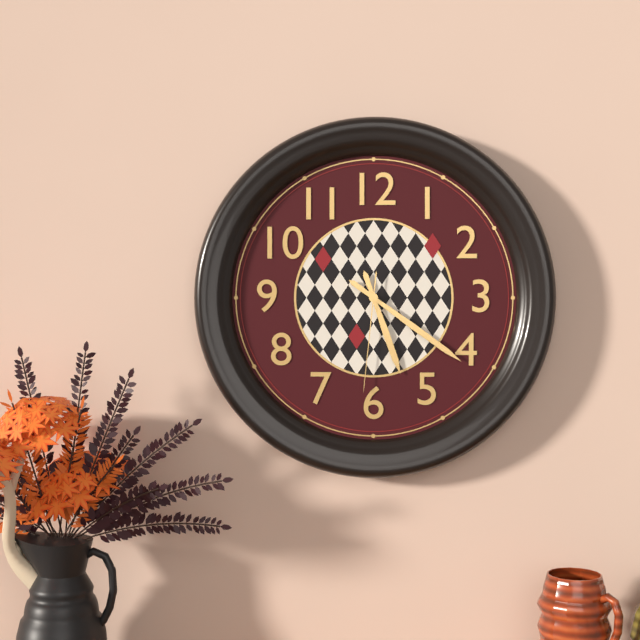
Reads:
h=5 m=21 s=31
